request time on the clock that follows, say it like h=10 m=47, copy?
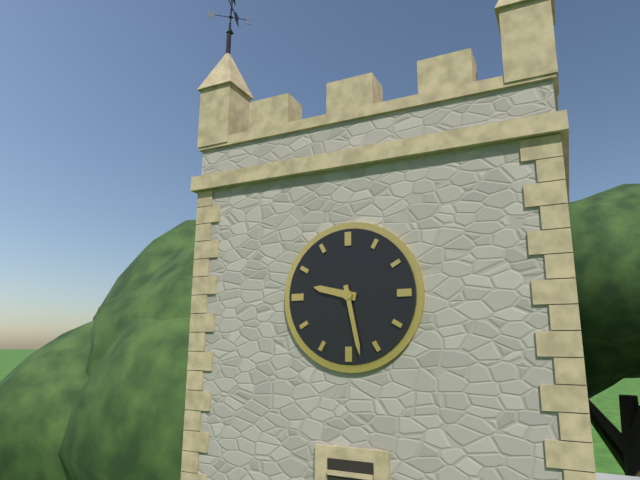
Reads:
h=9 m=28
